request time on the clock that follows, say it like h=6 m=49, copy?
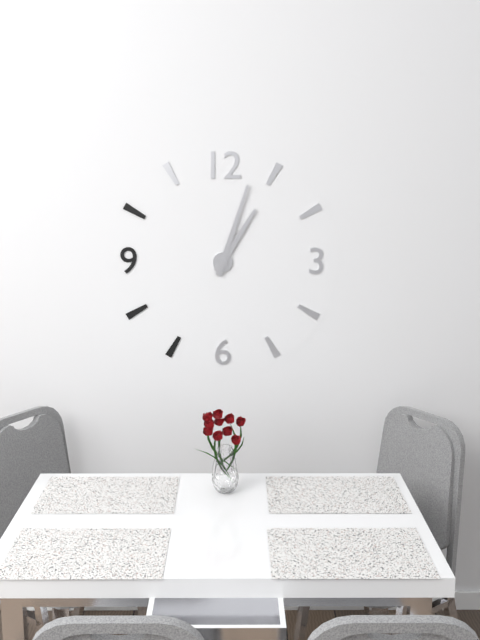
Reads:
h=1 m=3
